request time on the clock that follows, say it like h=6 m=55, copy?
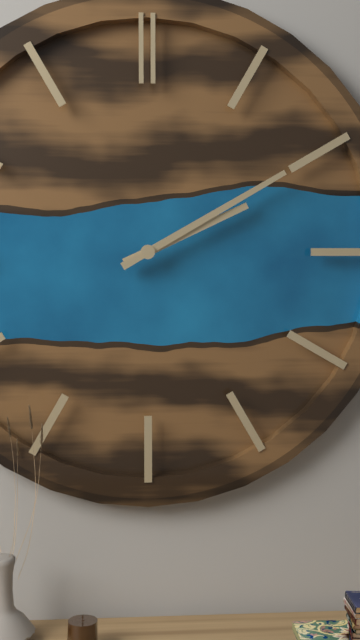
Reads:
h=2 m=10
